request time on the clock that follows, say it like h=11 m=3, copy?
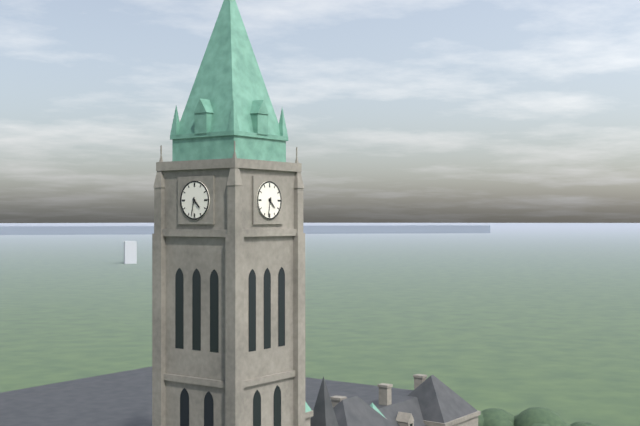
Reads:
h=4 m=32
